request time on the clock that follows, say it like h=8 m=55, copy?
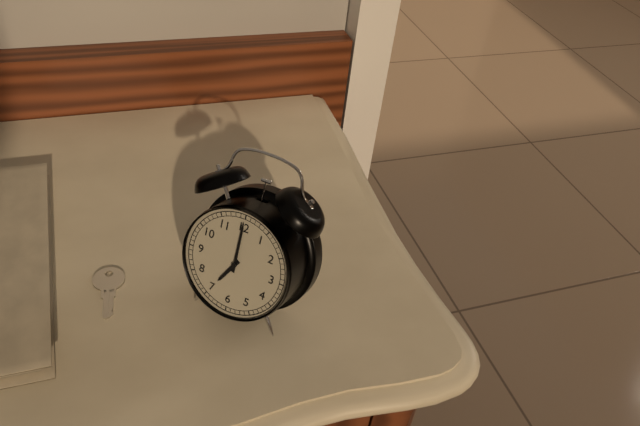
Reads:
h=7 m=0
